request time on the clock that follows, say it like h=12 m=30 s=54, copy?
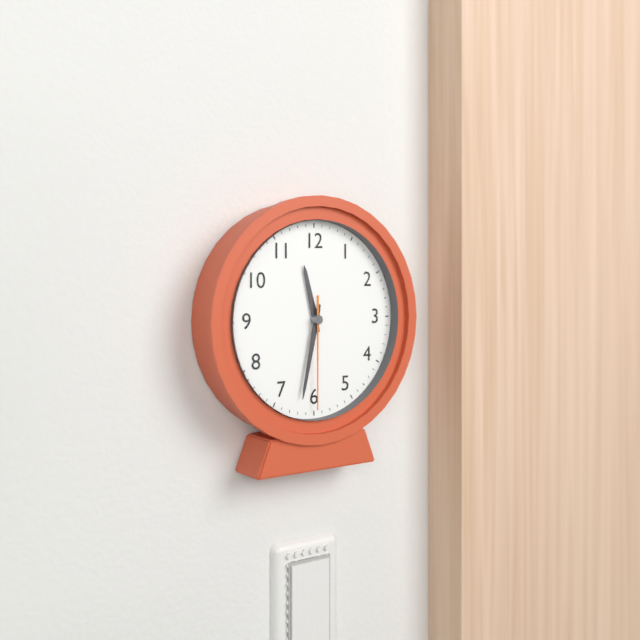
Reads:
h=11 m=32 s=30
